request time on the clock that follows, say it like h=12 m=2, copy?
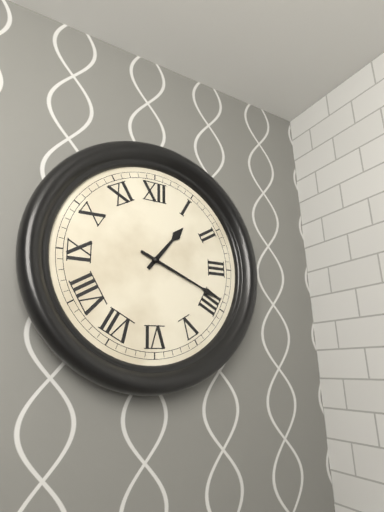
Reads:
h=1 m=19
